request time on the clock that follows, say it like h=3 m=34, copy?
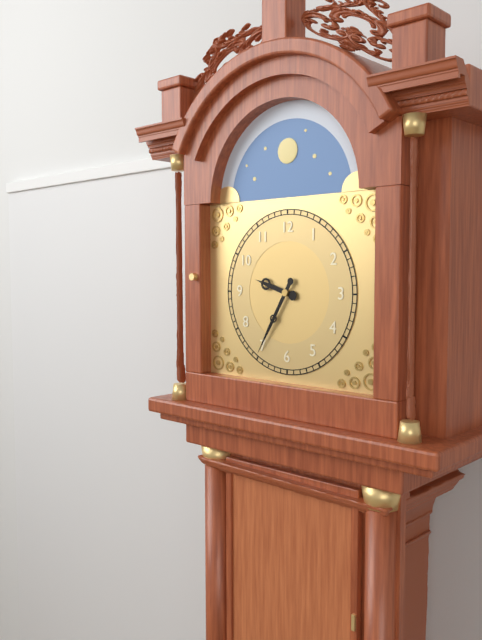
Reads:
h=9 m=35
